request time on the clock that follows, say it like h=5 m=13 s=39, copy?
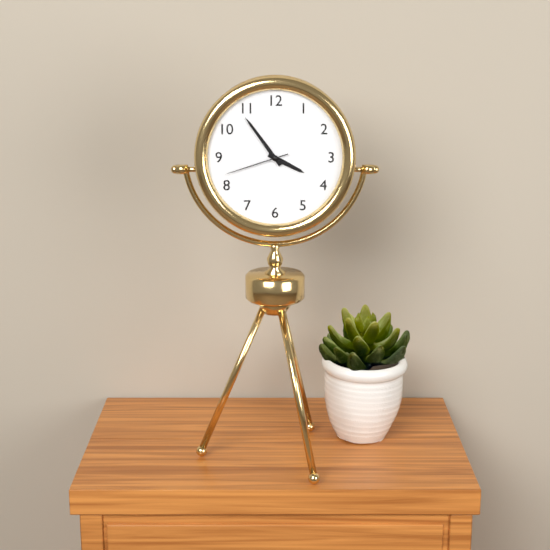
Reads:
h=3 m=54 s=42
